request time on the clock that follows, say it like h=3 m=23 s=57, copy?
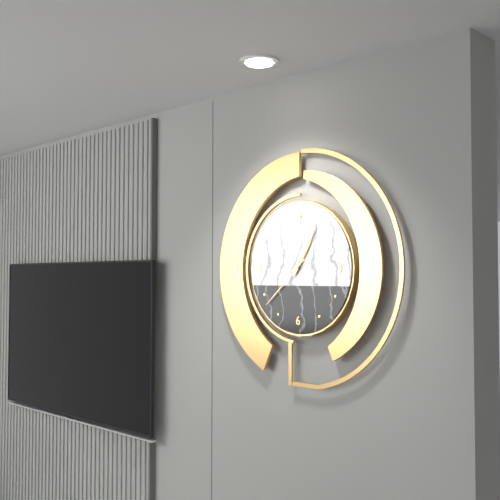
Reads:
h=1 m=5 s=38
